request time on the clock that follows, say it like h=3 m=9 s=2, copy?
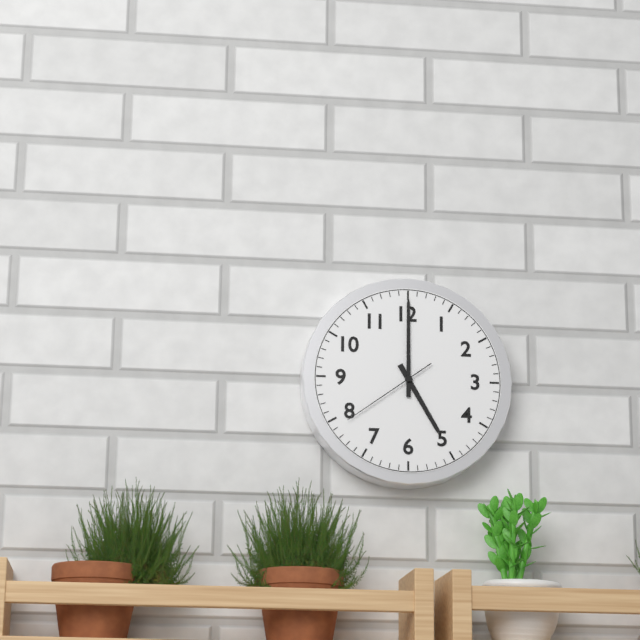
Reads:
h=5 m=0 s=39
